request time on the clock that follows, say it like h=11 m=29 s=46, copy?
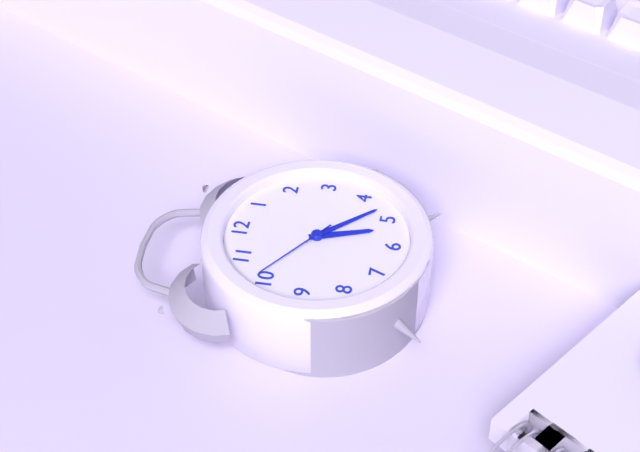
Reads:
h=5 m=23 s=51
